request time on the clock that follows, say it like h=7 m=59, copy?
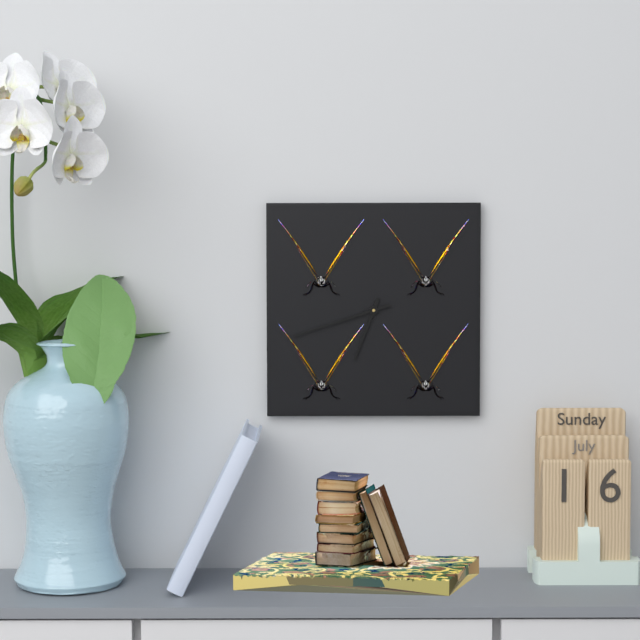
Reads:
h=6 m=42
